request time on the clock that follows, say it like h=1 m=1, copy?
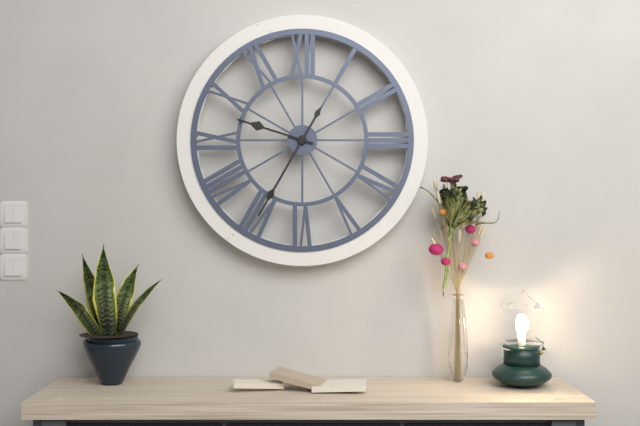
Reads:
h=9 m=35
